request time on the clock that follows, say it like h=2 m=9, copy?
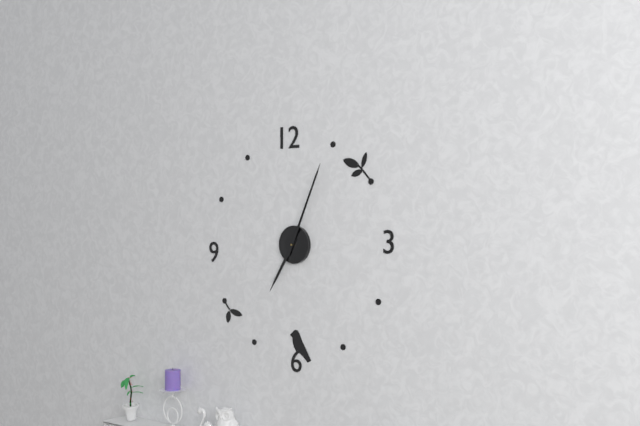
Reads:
h=7 m=4
